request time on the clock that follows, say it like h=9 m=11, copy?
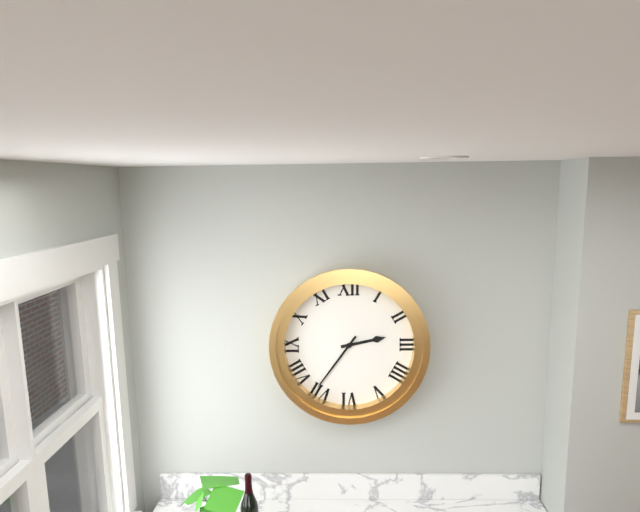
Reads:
h=2 m=36
